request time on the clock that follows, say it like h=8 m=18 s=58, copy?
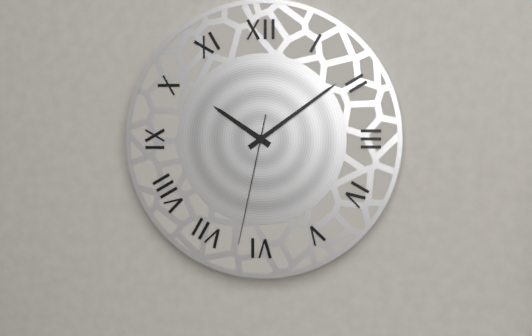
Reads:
h=10 m=9 s=32
